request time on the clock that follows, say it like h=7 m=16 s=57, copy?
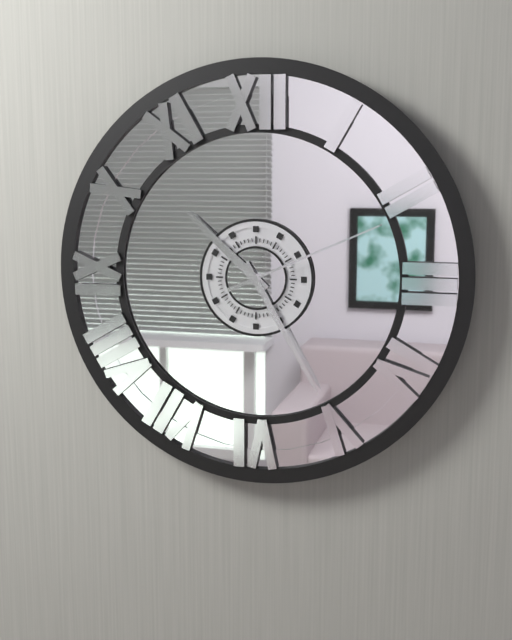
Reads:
h=10 m=25 s=11
